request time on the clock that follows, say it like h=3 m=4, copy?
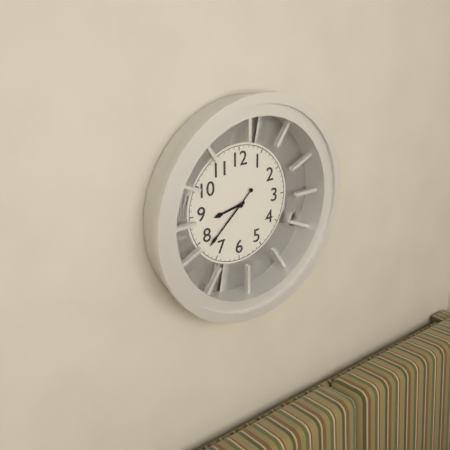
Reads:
h=8 m=38
